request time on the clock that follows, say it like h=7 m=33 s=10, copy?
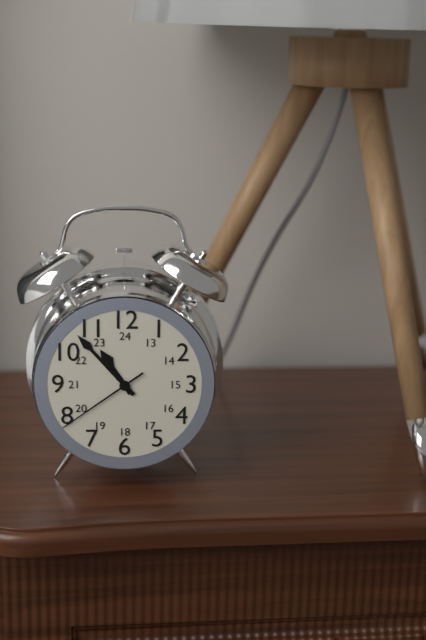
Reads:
h=10 m=53 s=39
